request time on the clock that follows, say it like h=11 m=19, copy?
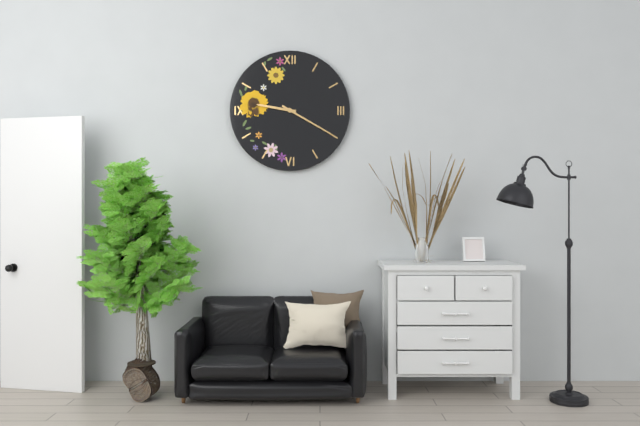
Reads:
h=9 m=20
